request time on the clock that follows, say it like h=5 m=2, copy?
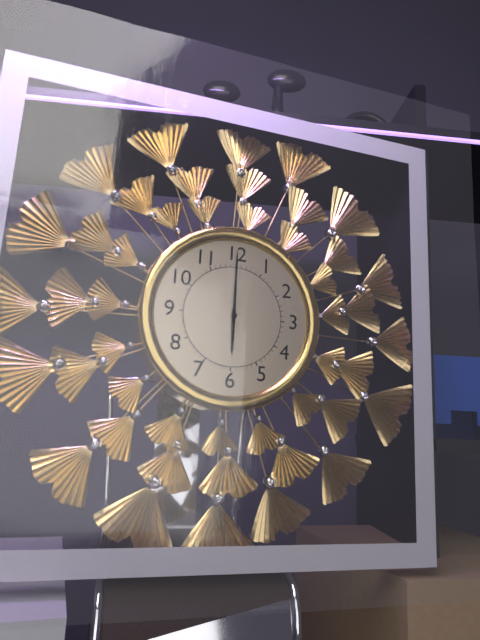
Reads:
h=6 m=0
